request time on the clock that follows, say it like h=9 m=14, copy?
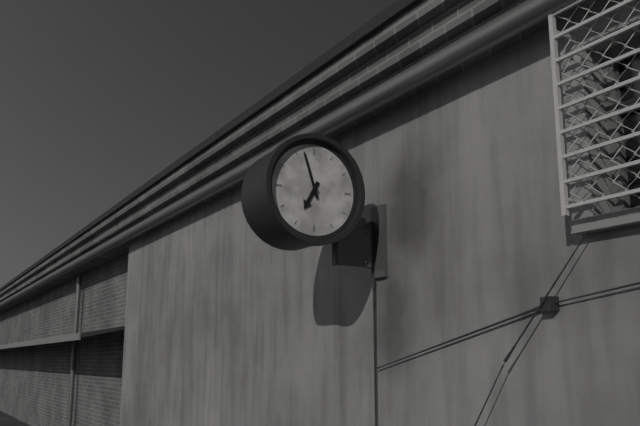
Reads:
h=6 m=57
